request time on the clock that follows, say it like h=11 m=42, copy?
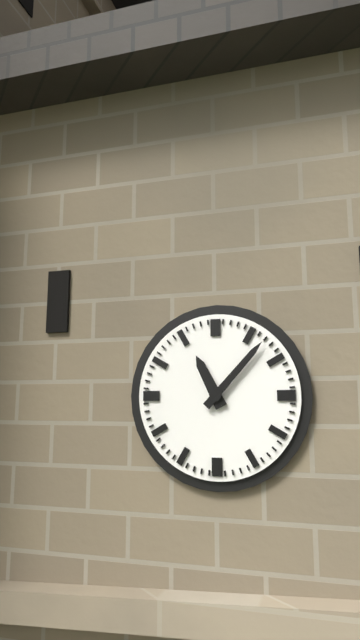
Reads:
h=11 m=7
